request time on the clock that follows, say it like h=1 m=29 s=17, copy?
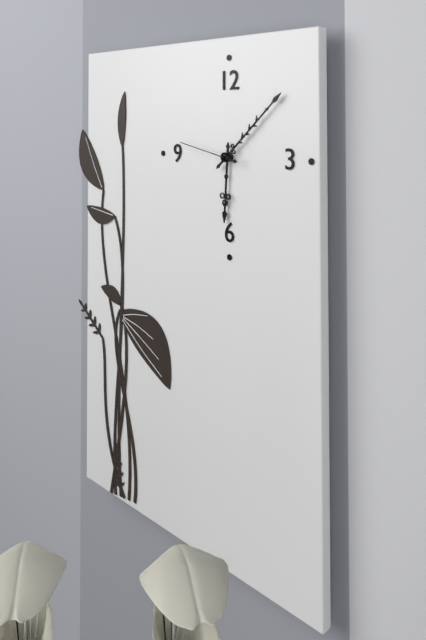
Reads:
h=6 m=8 s=47
